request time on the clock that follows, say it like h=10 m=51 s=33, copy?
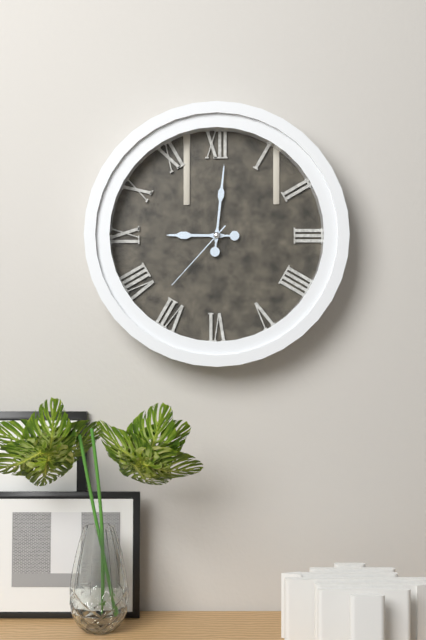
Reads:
h=9 m=1 s=37
